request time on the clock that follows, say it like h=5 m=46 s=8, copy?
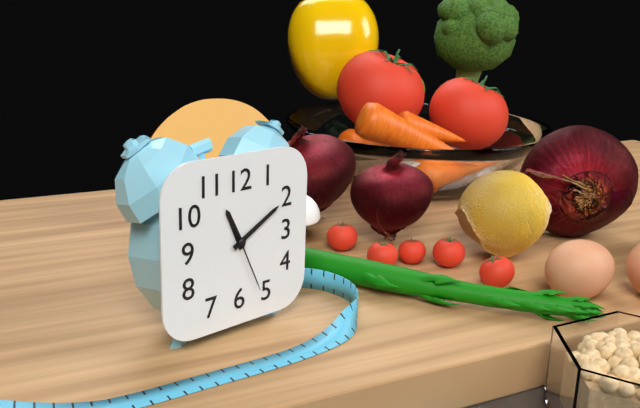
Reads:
h=11 m=10 s=26
